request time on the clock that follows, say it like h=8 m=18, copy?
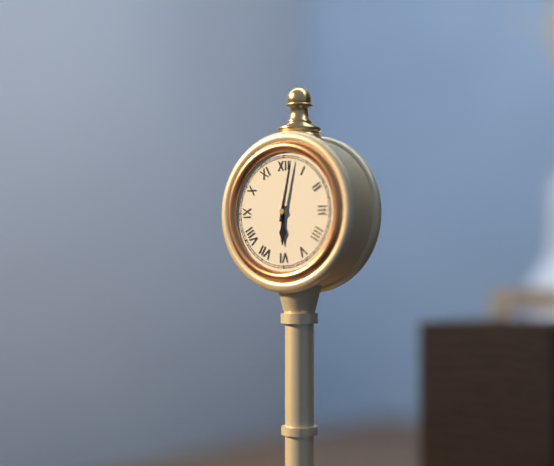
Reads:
h=6 m=2
